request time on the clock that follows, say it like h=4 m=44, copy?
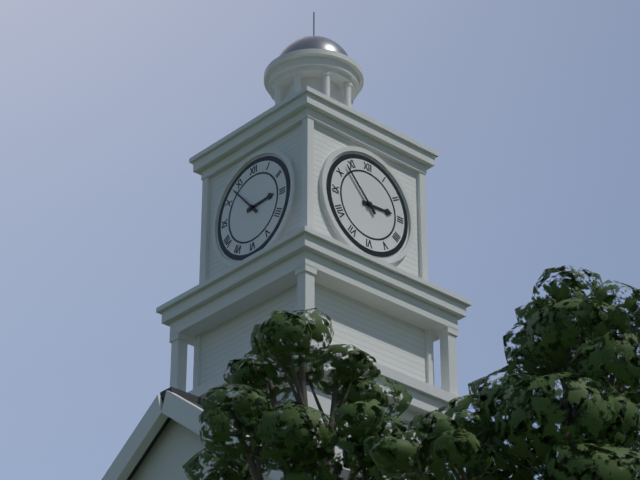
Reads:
h=2 m=53
